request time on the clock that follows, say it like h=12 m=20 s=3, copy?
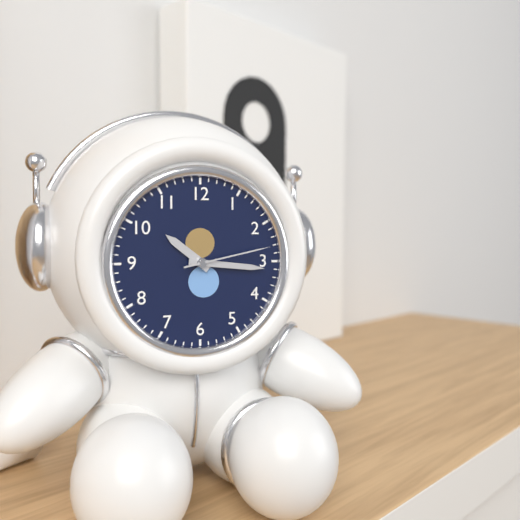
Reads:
h=10 m=16 s=13
